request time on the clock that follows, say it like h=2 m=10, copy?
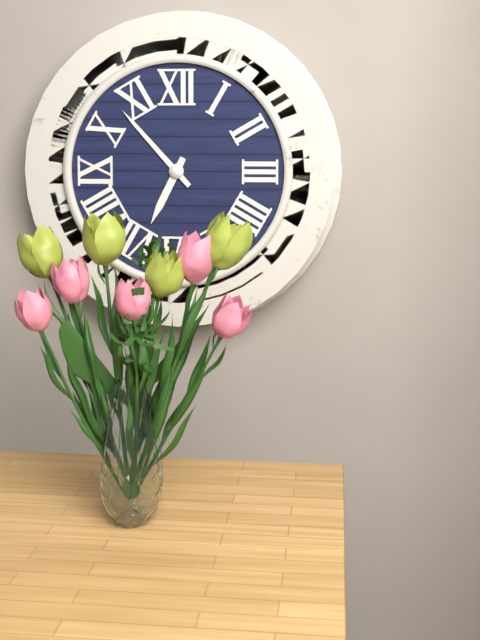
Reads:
h=6 m=53
